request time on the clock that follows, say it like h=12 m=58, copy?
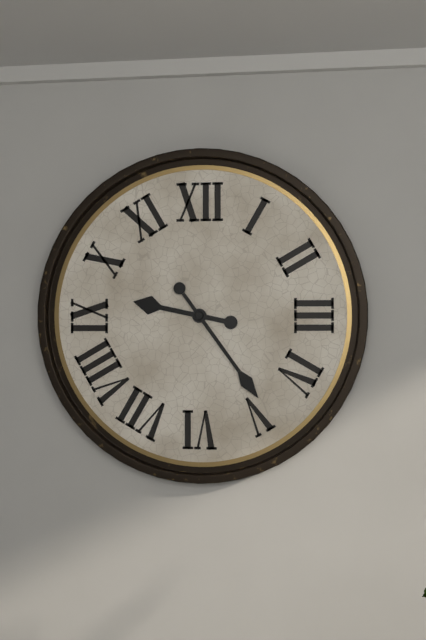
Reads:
h=9 m=24
